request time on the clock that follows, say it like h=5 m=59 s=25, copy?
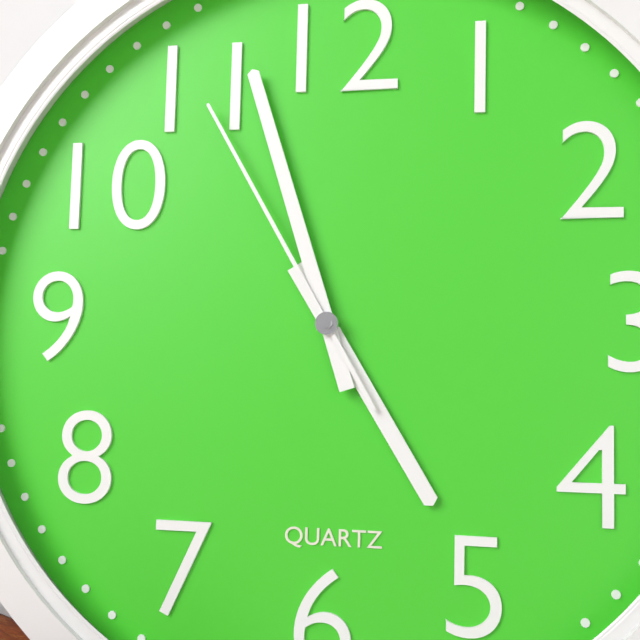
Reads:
h=4 m=57 s=55
